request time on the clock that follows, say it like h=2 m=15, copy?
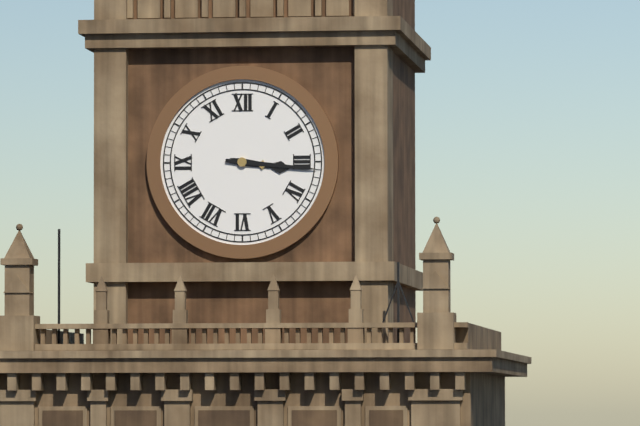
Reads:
h=3 m=16
